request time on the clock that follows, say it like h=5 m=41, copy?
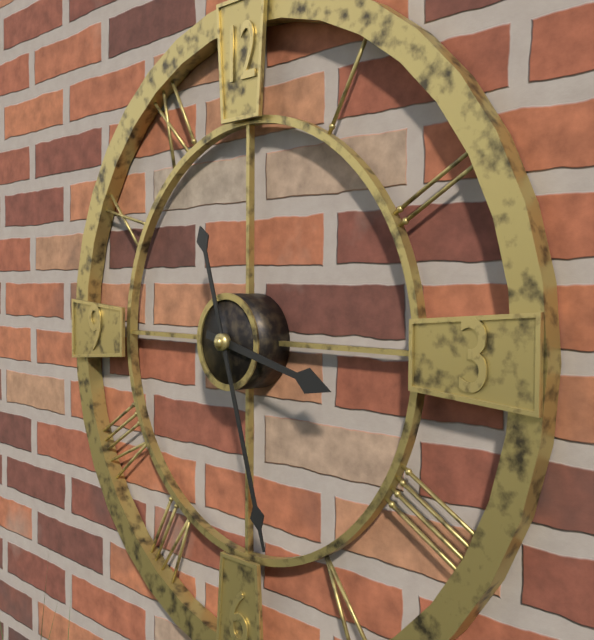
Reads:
h=3 m=27
